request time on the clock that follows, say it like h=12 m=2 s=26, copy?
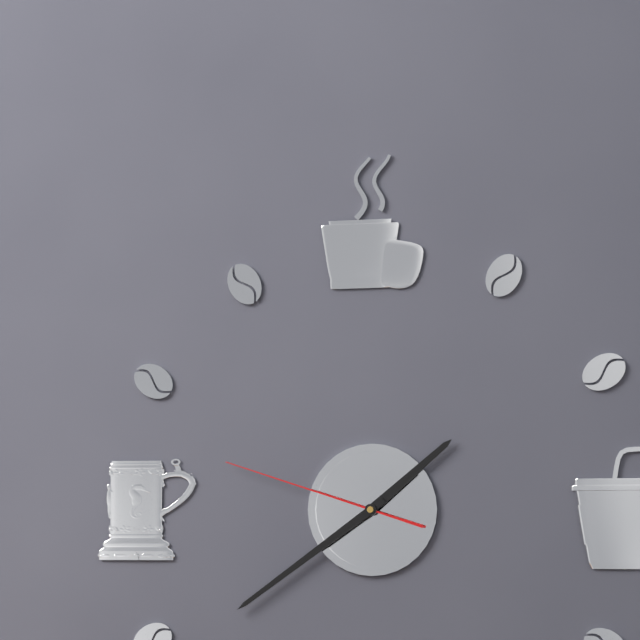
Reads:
h=1 m=39 s=48
